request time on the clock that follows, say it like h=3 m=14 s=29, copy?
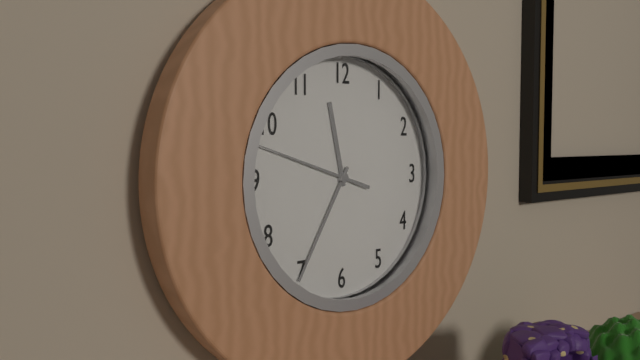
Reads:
h=11 m=35 s=48
